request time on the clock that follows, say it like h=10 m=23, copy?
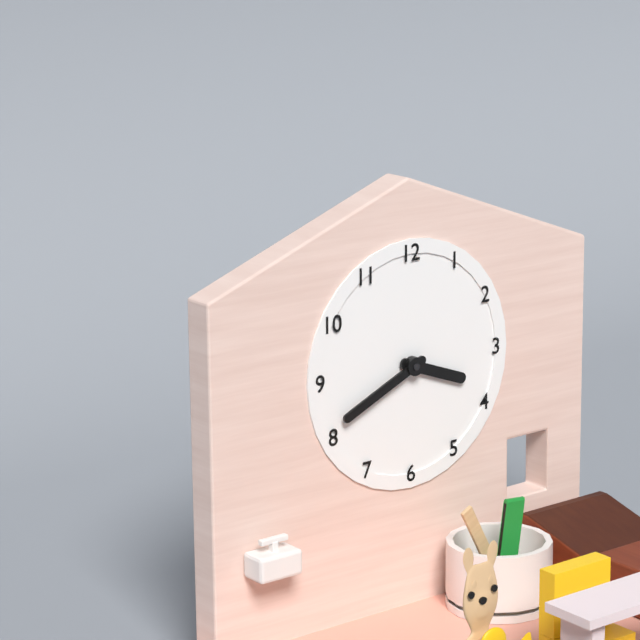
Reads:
h=3 m=41
